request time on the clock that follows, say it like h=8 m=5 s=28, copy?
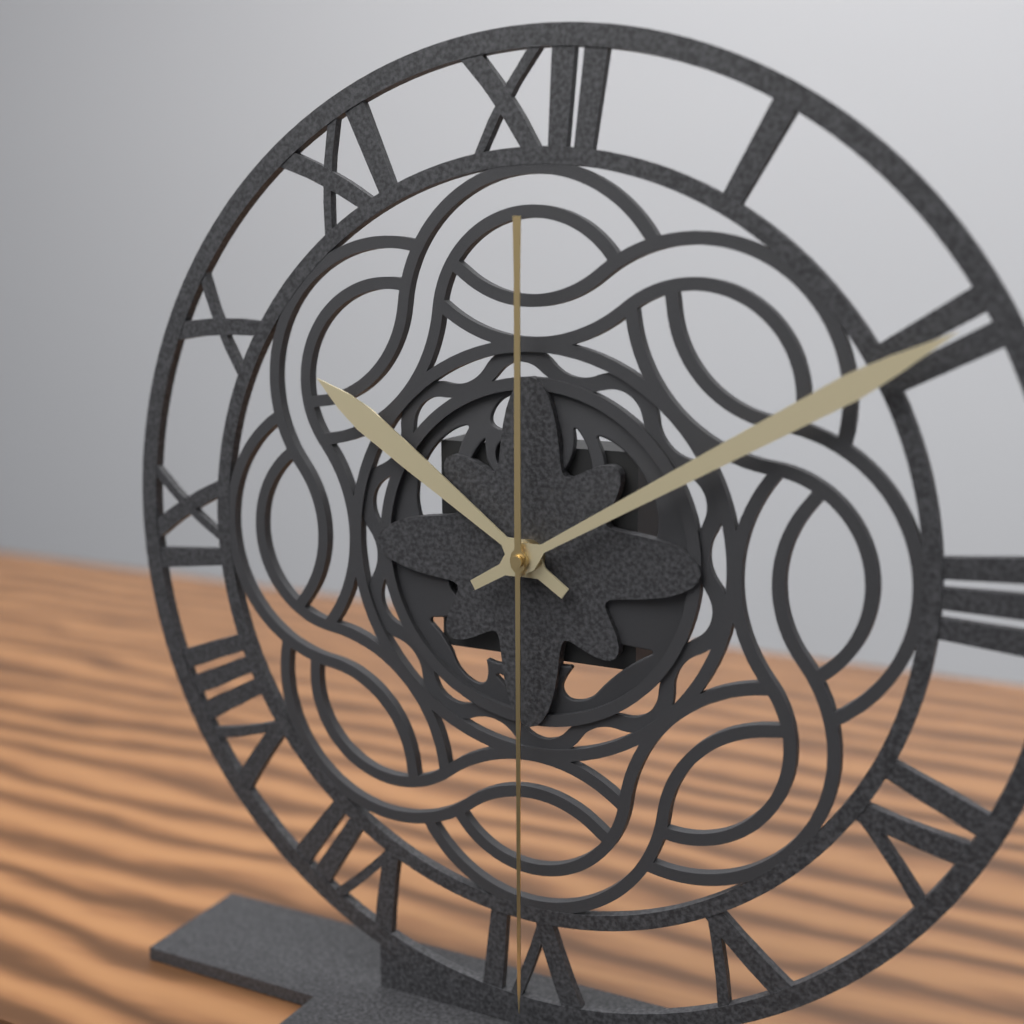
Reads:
h=10 m=10 s=30
